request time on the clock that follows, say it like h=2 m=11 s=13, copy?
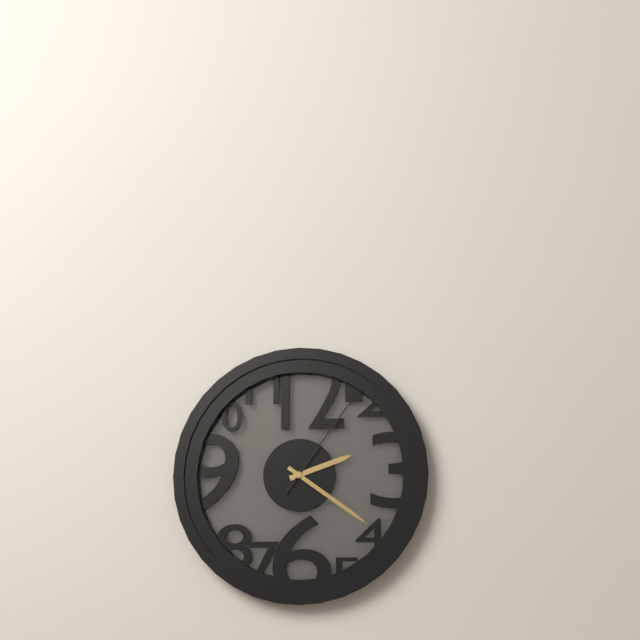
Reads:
h=2 m=21 s=6
